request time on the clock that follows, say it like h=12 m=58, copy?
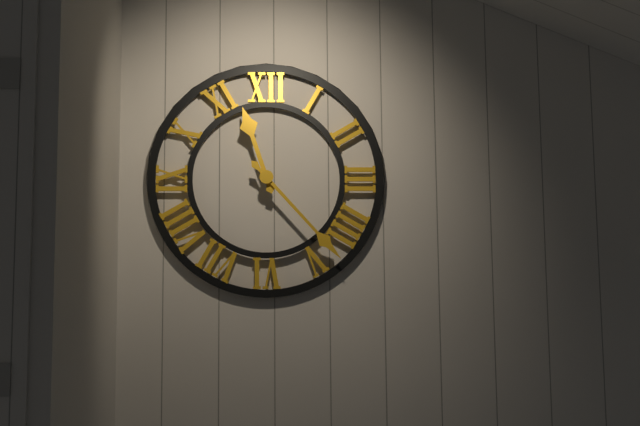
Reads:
h=11 m=23
